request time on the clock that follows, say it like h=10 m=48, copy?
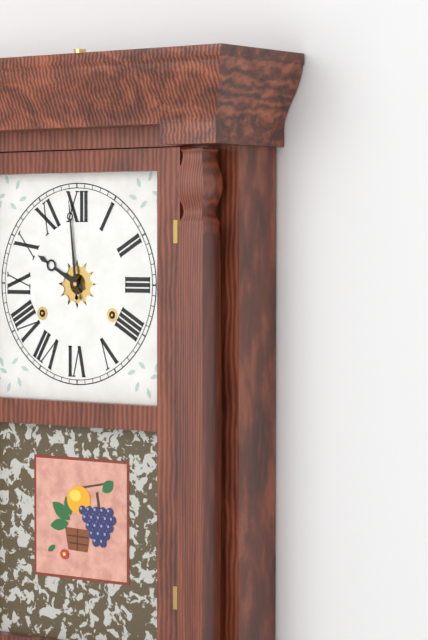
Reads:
h=9 m=59
